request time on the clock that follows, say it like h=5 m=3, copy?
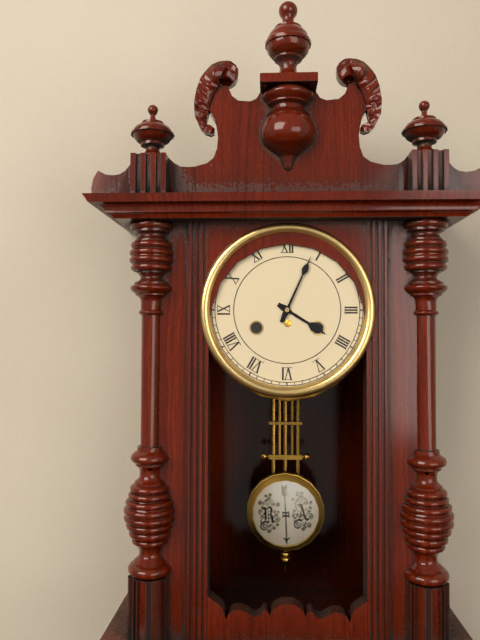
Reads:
h=4 m=4
